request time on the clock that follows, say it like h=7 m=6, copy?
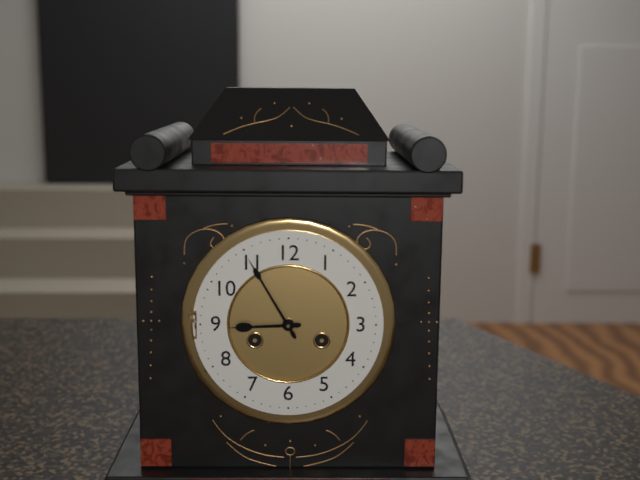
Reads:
h=8 m=55
